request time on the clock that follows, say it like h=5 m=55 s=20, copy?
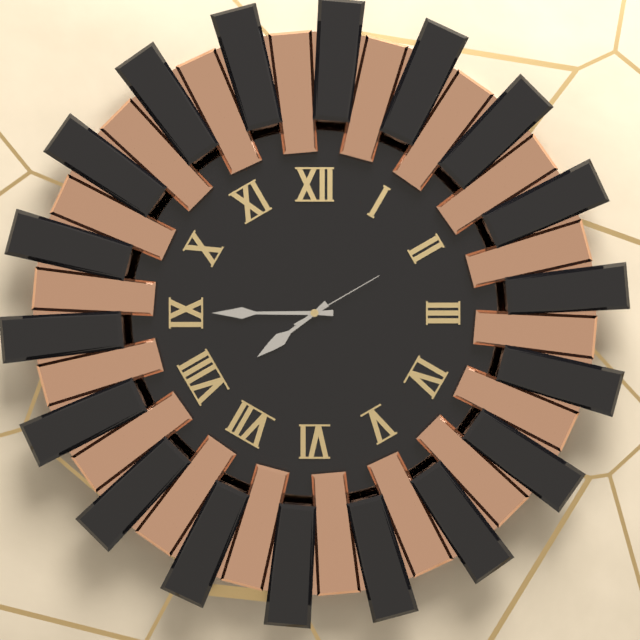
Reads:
h=7 m=45 s=10
